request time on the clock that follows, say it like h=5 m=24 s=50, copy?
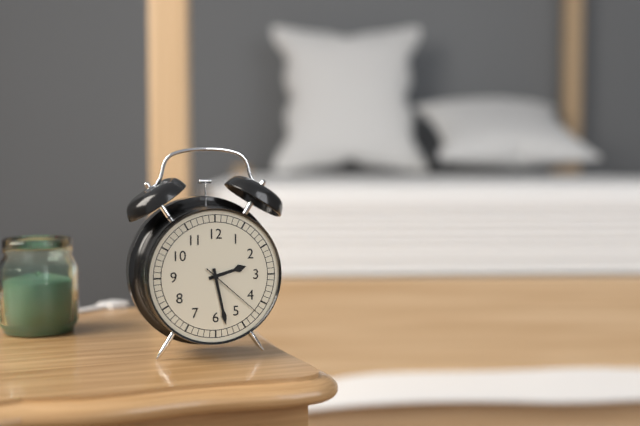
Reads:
h=2 m=28 s=22
